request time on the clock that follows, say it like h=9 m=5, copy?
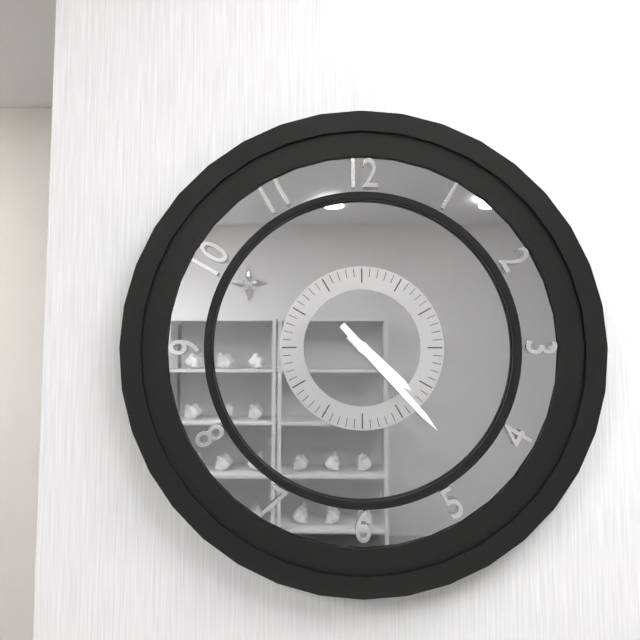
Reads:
h=4 m=23
